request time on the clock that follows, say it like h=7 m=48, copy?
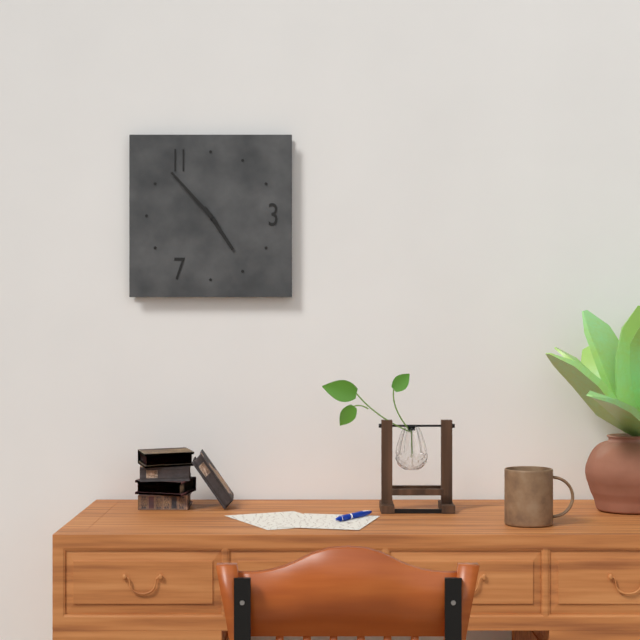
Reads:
h=4 m=53
